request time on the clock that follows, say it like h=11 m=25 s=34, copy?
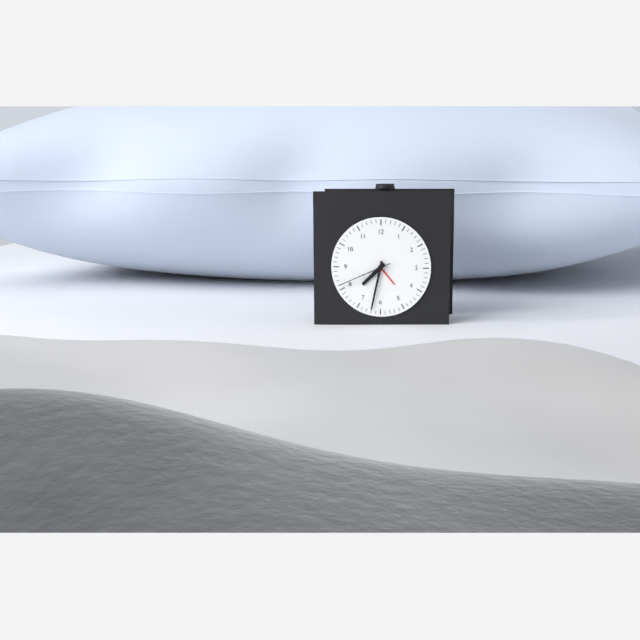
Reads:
h=7 m=32 s=41
